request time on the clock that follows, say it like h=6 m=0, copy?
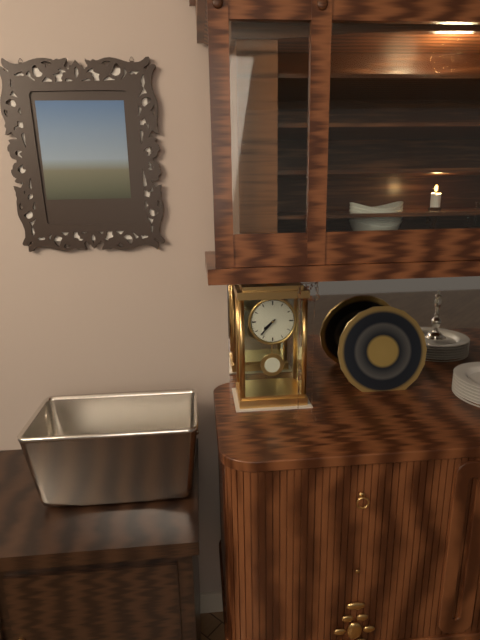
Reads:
h=7 m=37
